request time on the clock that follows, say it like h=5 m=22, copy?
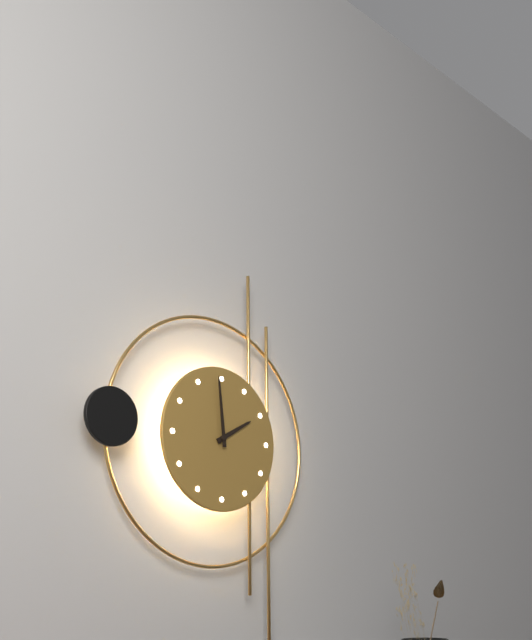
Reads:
h=1 m=59
